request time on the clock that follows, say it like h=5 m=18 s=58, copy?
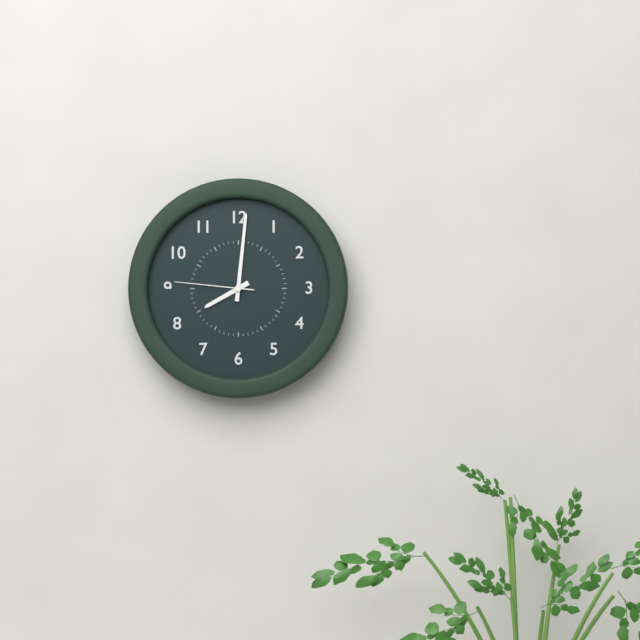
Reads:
h=8 m=1 s=46
